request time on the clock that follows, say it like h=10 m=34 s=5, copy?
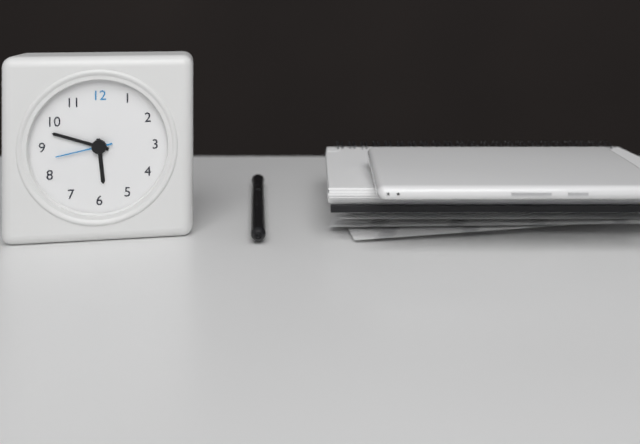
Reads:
h=5 m=48 s=43
